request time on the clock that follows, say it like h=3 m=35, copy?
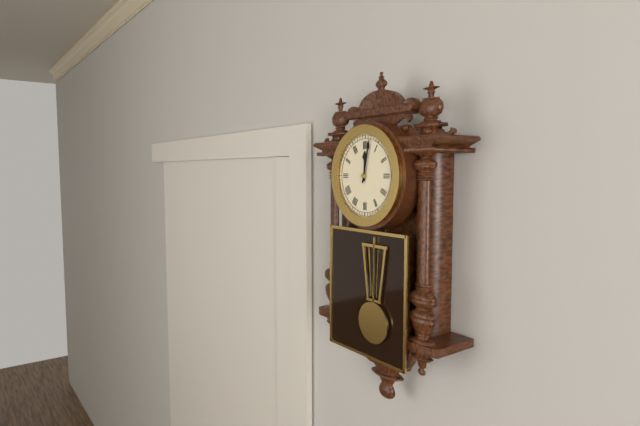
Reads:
h=12 m=2
